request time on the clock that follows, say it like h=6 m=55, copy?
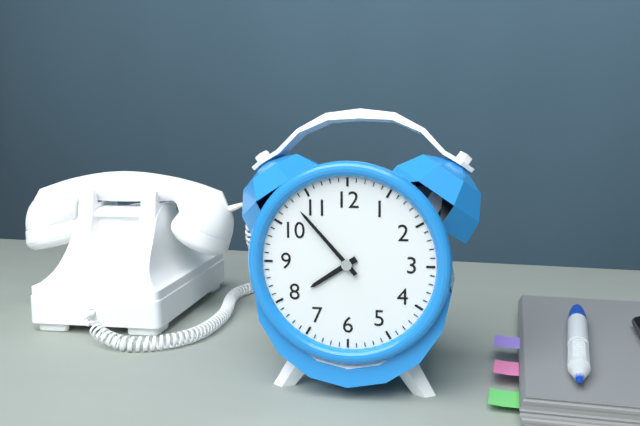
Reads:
h=7 m=53
